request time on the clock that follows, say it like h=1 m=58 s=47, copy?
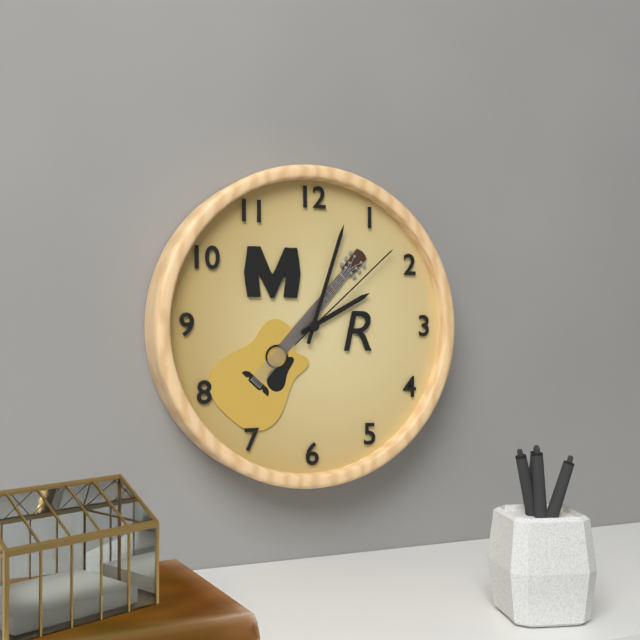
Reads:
h=2 m=3 s=8
